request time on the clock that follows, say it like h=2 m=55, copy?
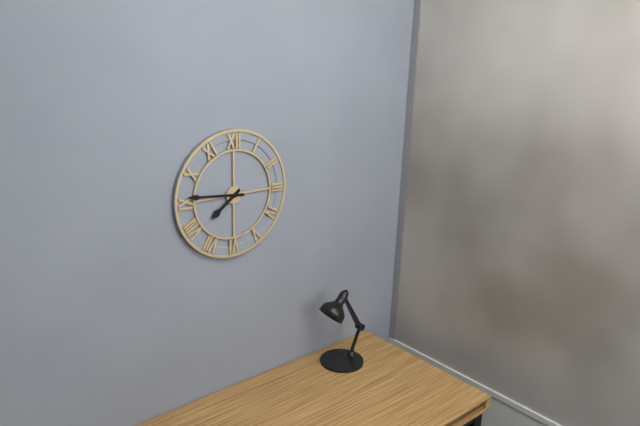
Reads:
h=7 m=46
